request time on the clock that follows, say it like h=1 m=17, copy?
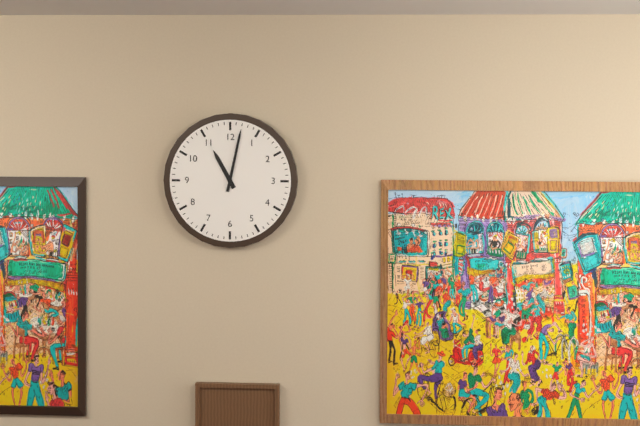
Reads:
h=11 m=2
